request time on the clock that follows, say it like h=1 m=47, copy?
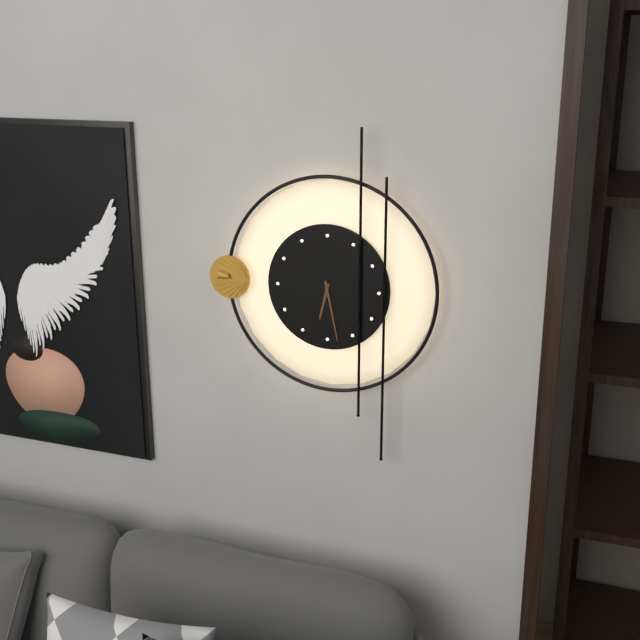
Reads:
h=6 m=28
